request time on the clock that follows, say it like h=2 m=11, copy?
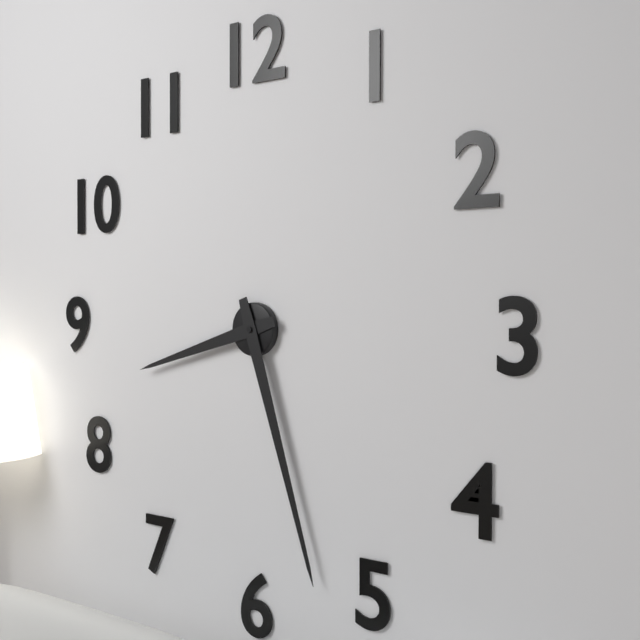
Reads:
h=8 m=27
